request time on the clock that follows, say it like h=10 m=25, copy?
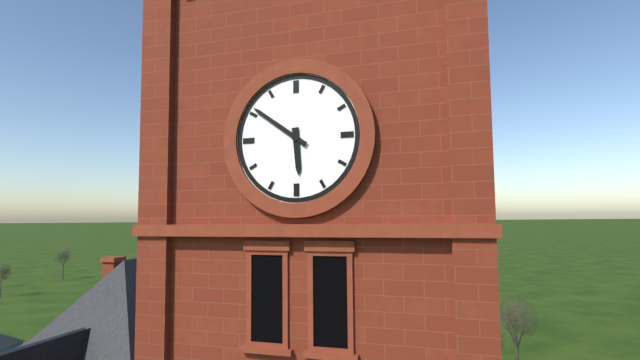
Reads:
h=5 m=51
